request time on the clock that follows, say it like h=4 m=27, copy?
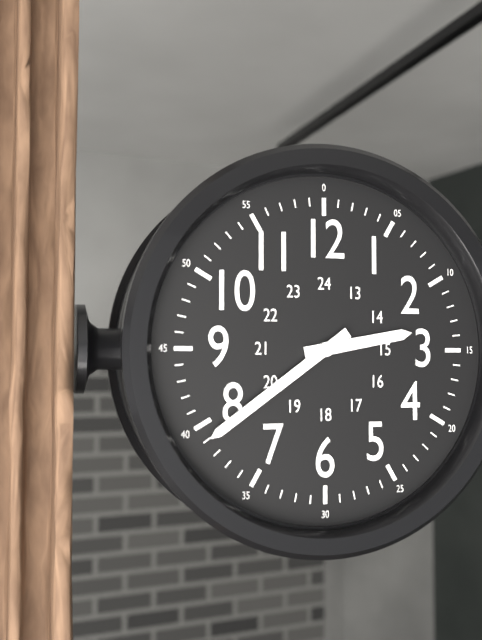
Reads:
h=2 m=39
